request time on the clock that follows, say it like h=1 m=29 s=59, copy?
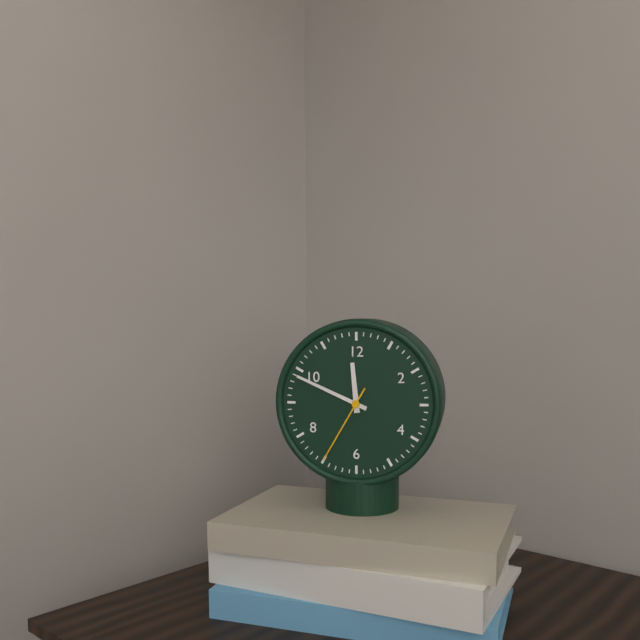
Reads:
h=11 m=49 s=35
